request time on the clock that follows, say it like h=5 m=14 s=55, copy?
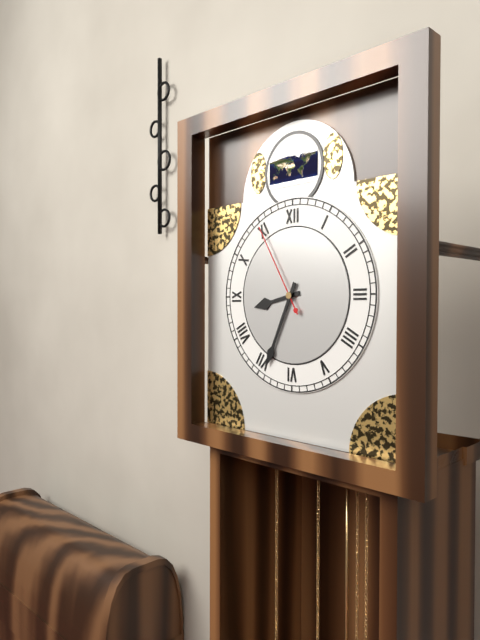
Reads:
h=8 m=34 s=55
